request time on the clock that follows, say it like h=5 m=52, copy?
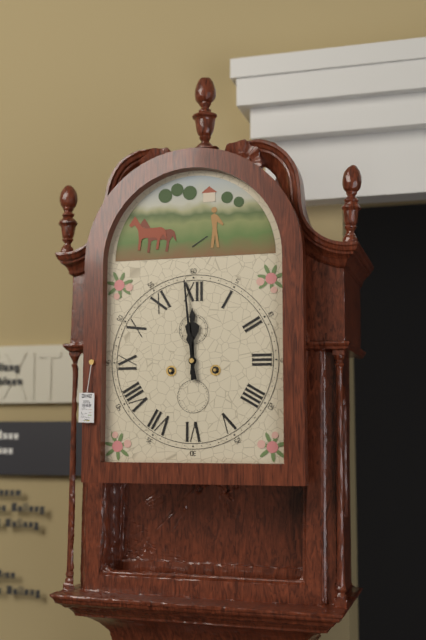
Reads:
h=11 m=59
